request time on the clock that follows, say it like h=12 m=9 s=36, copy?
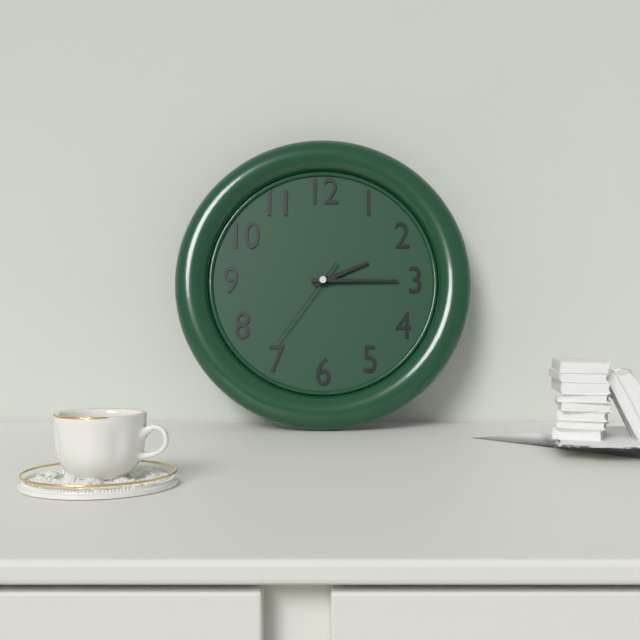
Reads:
h=2 m=15 s=36
